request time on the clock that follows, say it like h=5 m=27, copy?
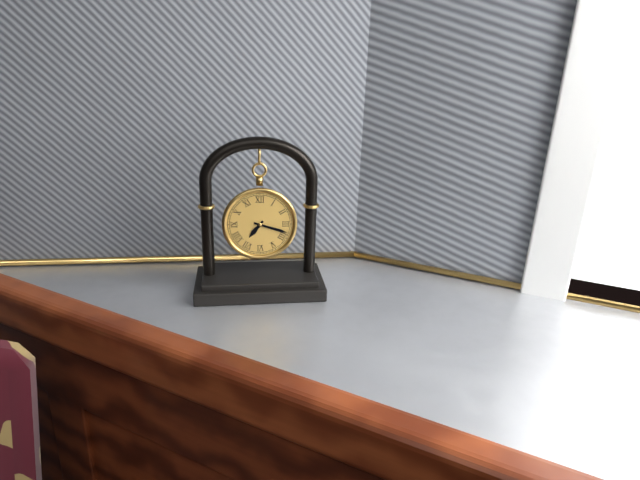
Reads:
h=7 m=18
